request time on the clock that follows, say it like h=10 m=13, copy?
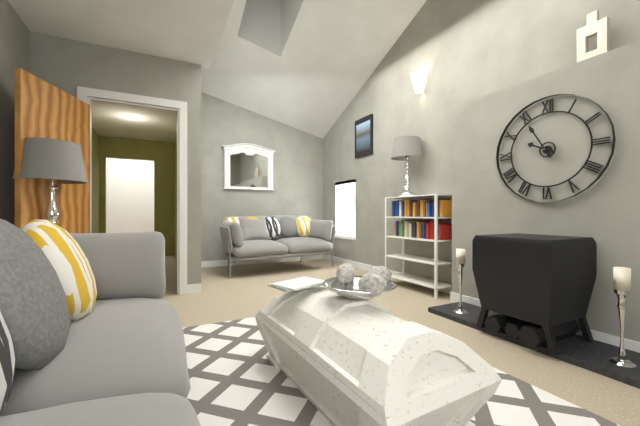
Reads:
h=9 m=55
